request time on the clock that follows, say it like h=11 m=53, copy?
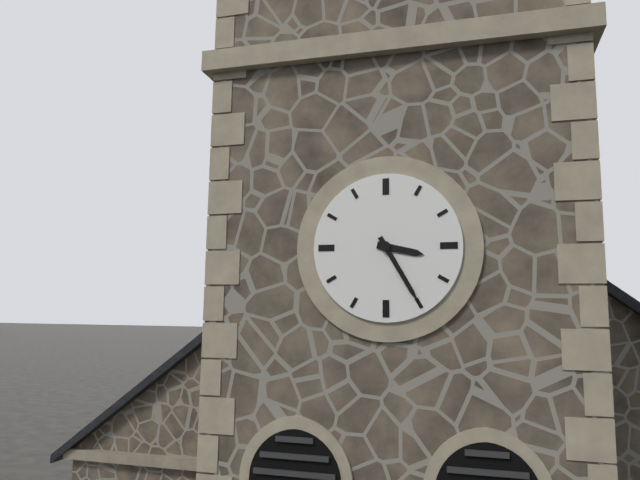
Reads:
h=3 m=25
